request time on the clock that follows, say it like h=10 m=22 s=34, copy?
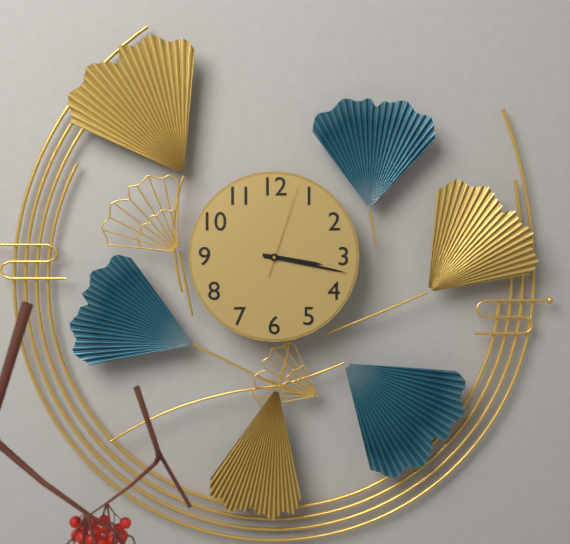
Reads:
h=3 m=17 s=3
